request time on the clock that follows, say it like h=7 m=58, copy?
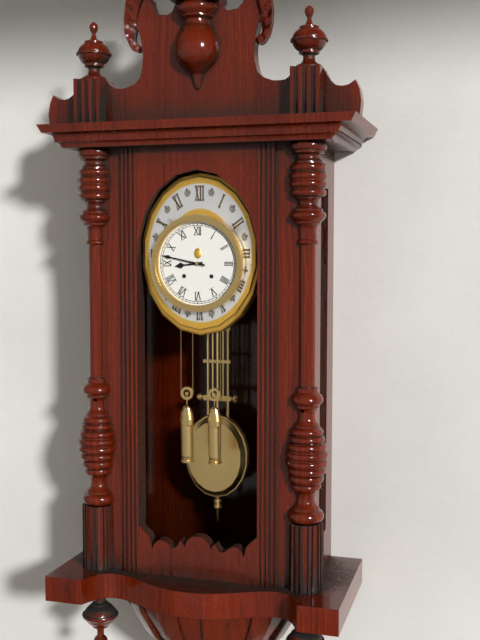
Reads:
h=8 m=47
